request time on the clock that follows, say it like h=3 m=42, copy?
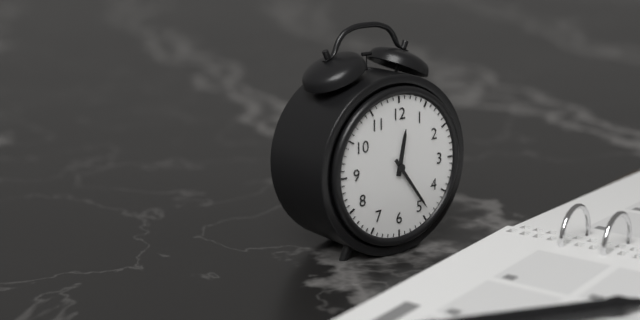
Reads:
h=12 m=24
